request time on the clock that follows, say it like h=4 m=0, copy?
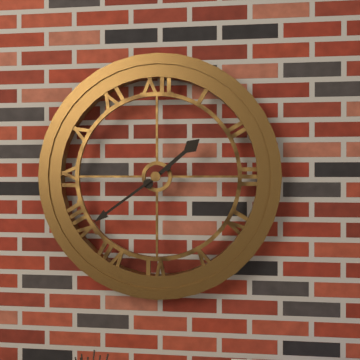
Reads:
h=1 m=39
